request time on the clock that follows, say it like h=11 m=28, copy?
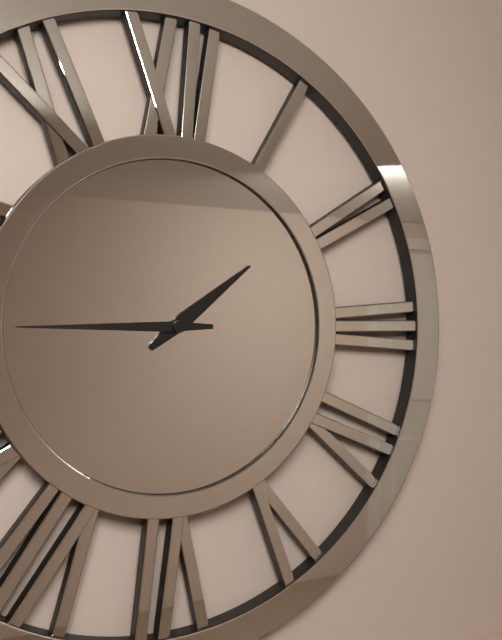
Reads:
h=1 m=45
